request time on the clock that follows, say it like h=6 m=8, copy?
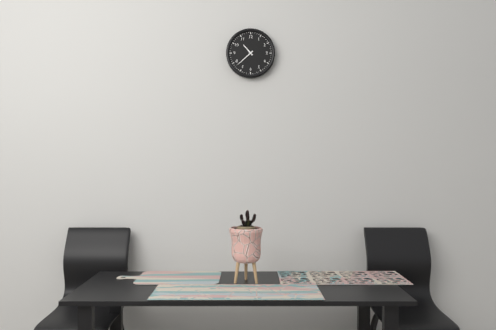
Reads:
h=10 m=38
